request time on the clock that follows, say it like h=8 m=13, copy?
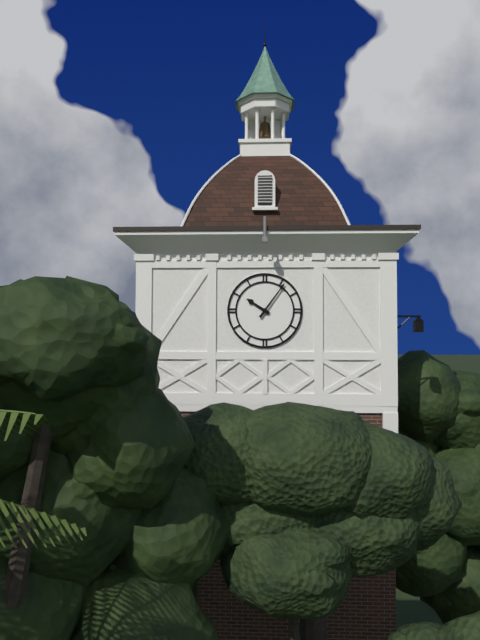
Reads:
h=10 m=6
